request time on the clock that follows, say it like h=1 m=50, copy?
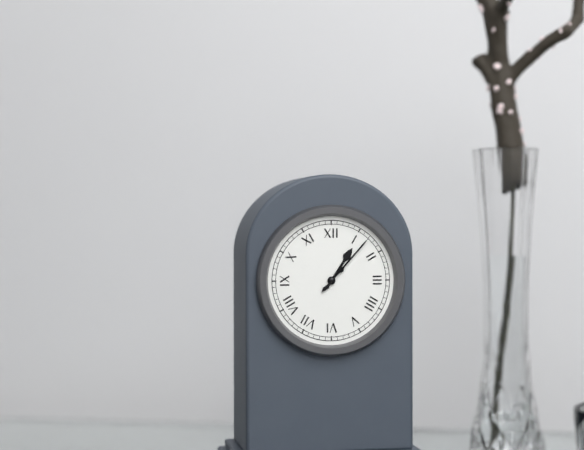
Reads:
h=1 m=7
